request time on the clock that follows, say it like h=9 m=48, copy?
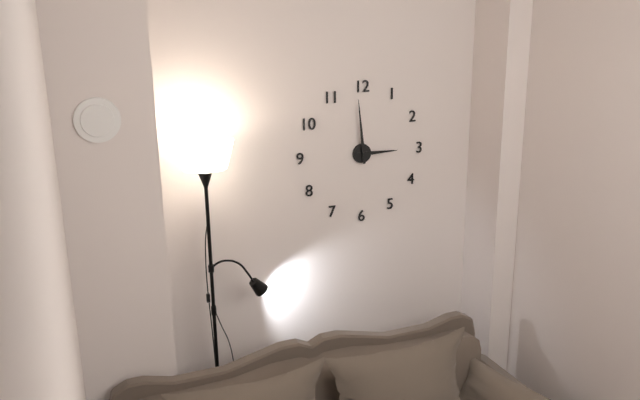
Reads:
h=2 m=59
